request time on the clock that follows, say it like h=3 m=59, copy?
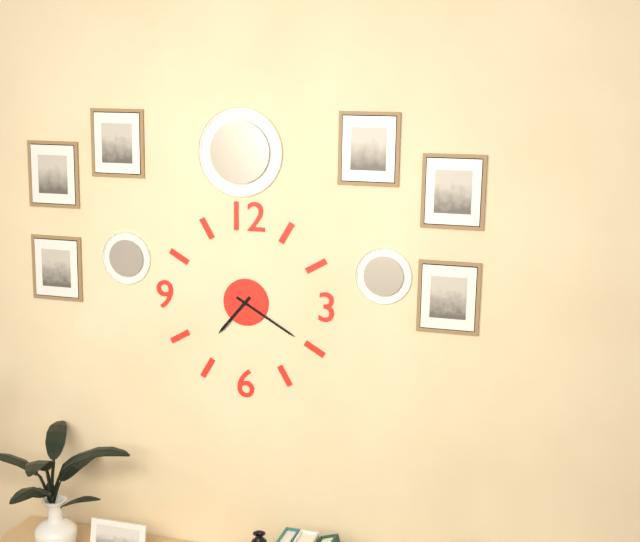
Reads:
h=7 m=20
